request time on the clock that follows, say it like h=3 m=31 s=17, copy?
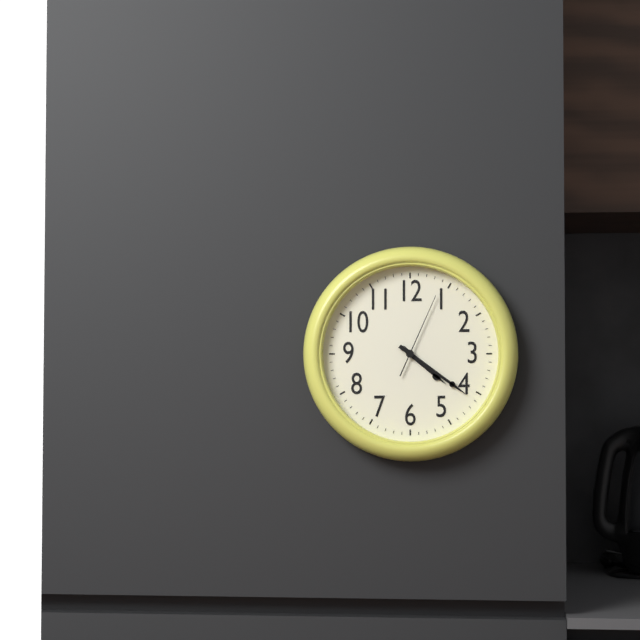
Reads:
h=4 m=21 s=4
